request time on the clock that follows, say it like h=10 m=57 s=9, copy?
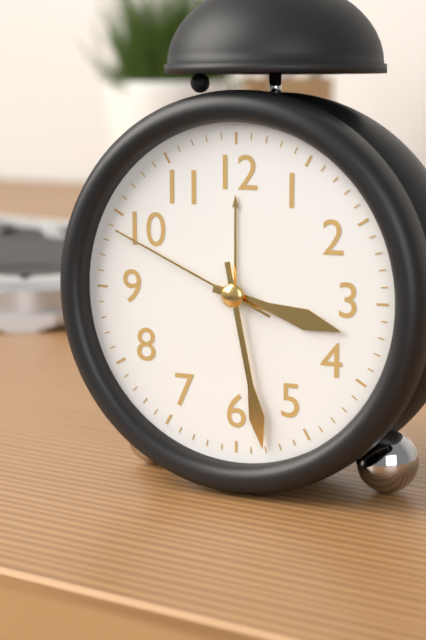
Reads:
h=3 m=28 s=49
